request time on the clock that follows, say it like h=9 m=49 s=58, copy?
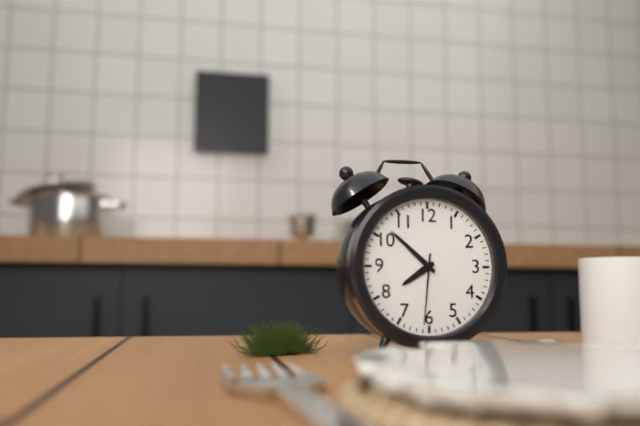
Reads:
h=7 m=52 s=31
